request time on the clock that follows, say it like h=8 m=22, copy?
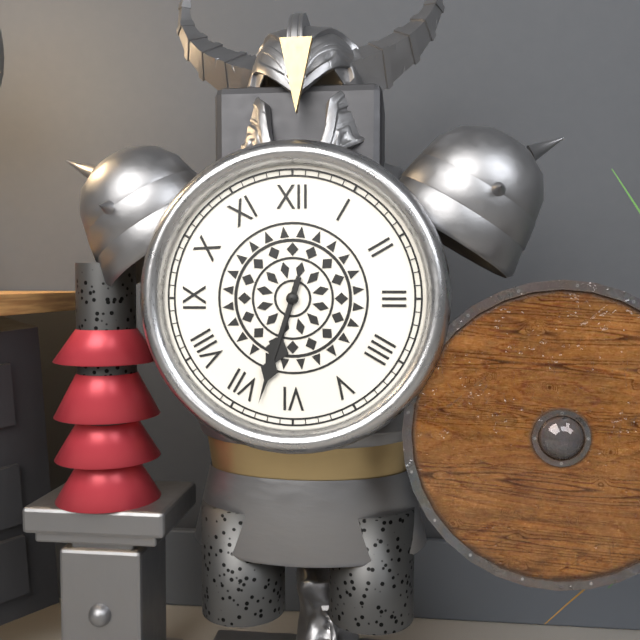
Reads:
h=6 m=33
